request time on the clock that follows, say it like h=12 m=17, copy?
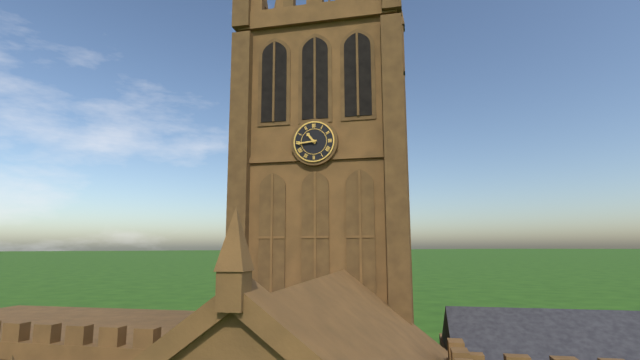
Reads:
h=10 m=44
